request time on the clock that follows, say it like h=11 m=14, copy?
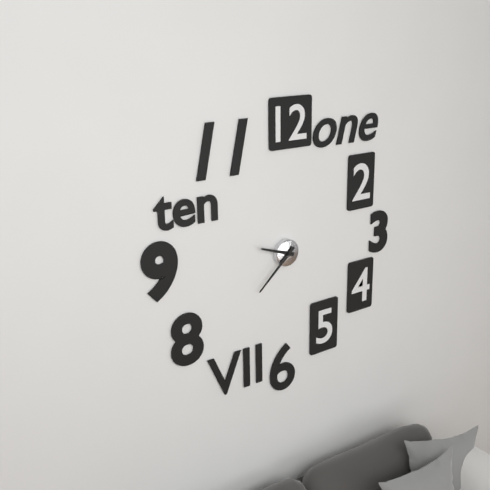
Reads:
h=9 m=38
